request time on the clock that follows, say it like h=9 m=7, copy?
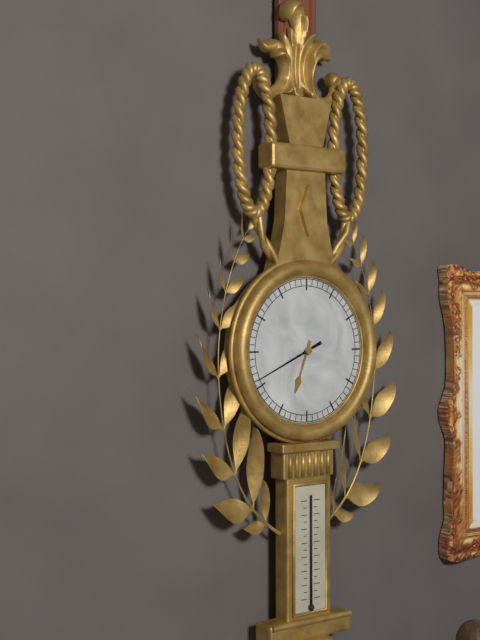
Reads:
h=6 m=41
